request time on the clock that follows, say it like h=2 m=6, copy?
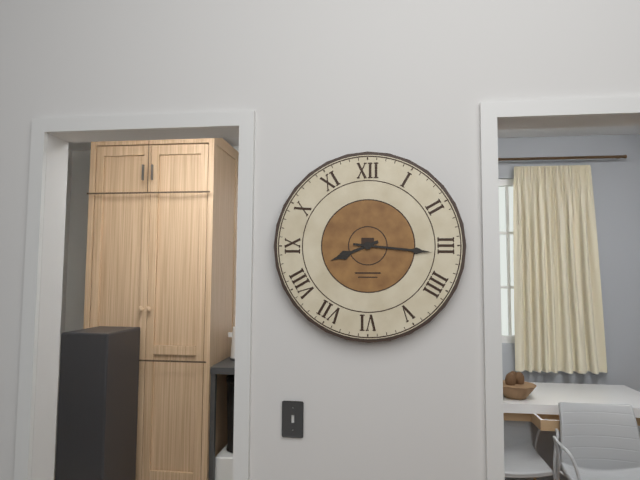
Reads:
h=8 m=16
